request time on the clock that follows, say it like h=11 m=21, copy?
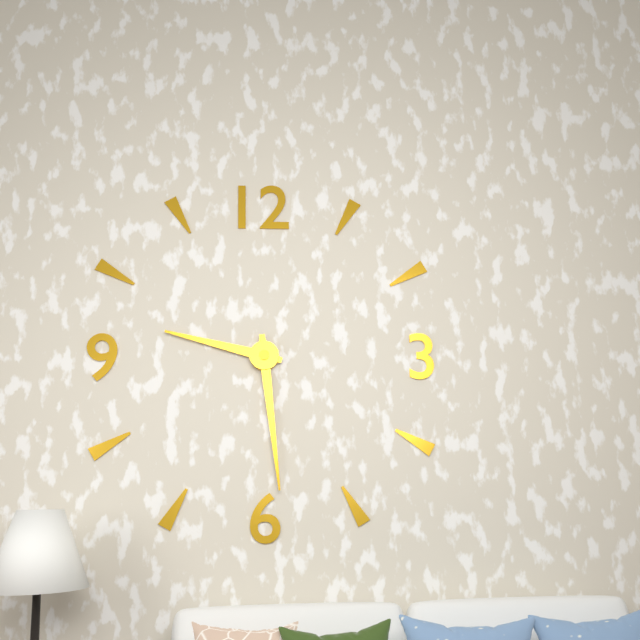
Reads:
h=9 m=29
